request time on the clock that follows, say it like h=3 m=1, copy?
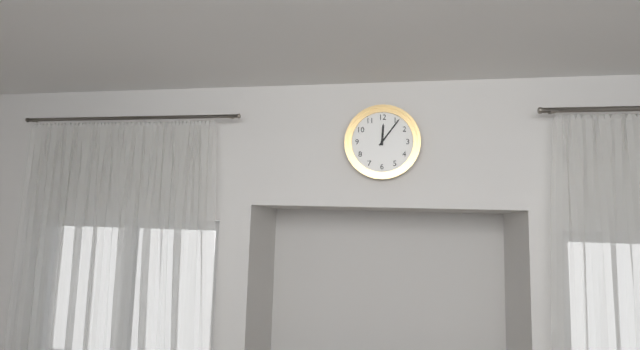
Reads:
h=12 m=6
